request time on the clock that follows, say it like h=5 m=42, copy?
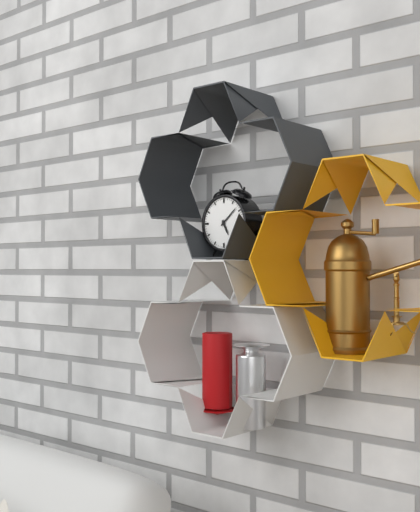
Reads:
h=5 m=8
